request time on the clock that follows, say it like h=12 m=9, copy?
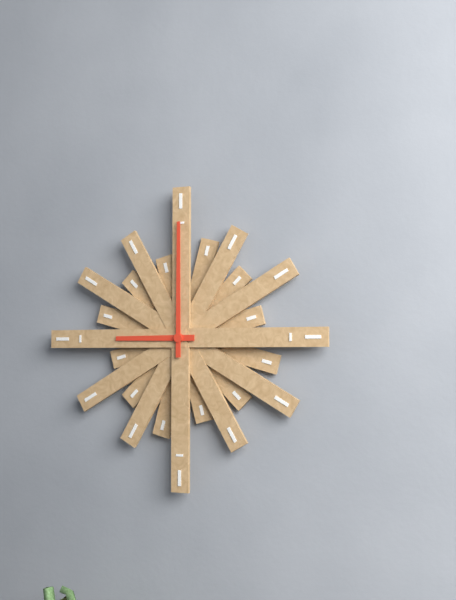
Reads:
h=9 m=0
